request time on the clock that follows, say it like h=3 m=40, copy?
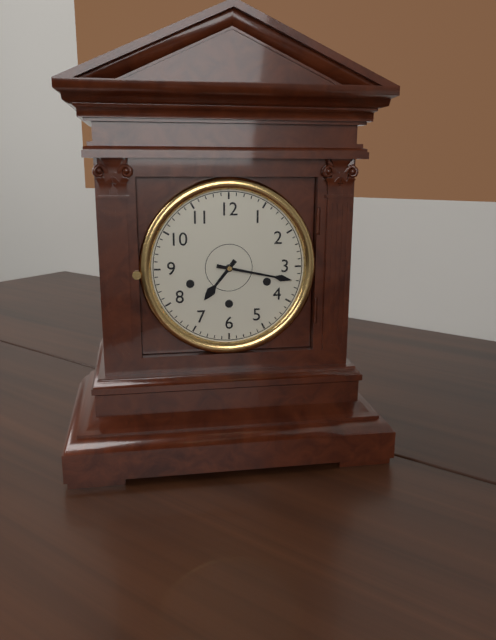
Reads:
h=7 m=17
